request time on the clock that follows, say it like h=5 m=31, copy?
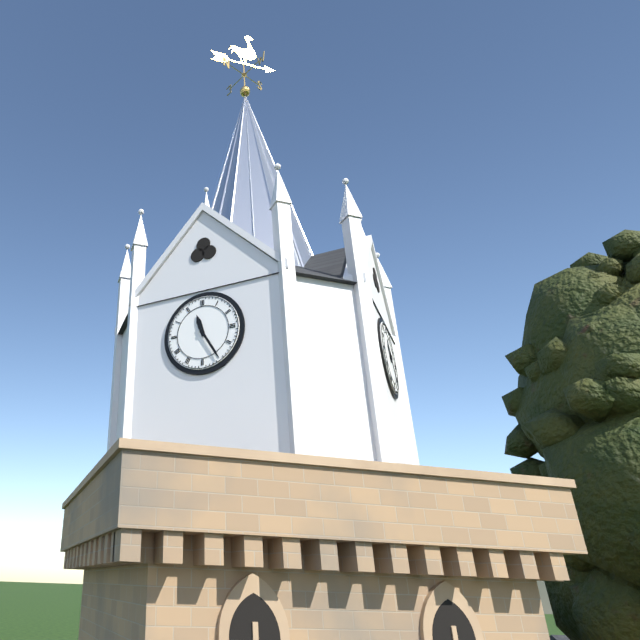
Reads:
h=11 m=25
